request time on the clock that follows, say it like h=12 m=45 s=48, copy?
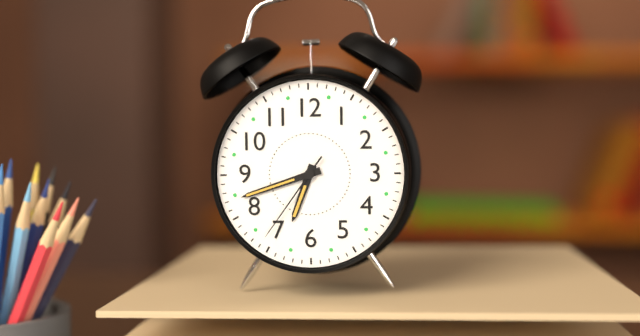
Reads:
h=6 m=42 s=36
